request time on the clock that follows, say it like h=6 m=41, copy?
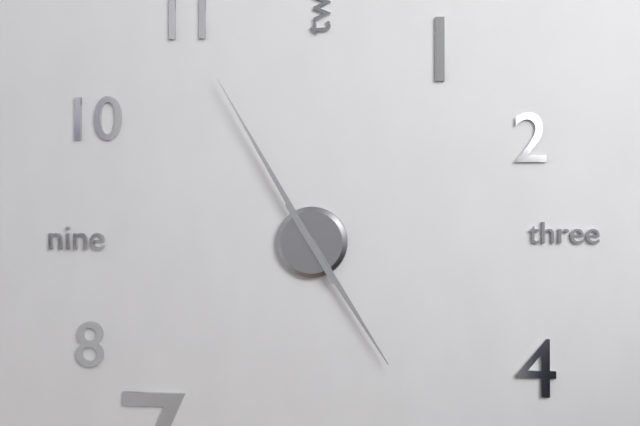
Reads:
h=4 m=55
